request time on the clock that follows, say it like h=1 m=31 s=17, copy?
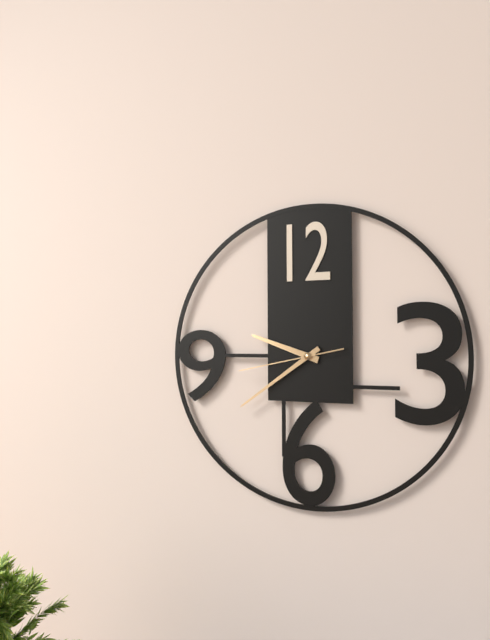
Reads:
h=9 m=39 s=43
